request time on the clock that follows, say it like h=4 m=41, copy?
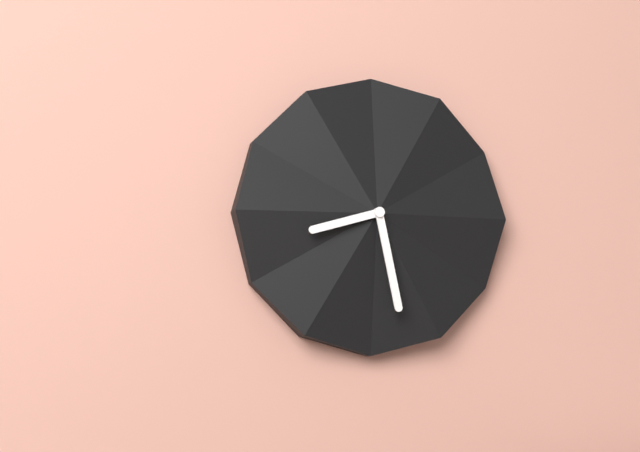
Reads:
h=8 m=28
